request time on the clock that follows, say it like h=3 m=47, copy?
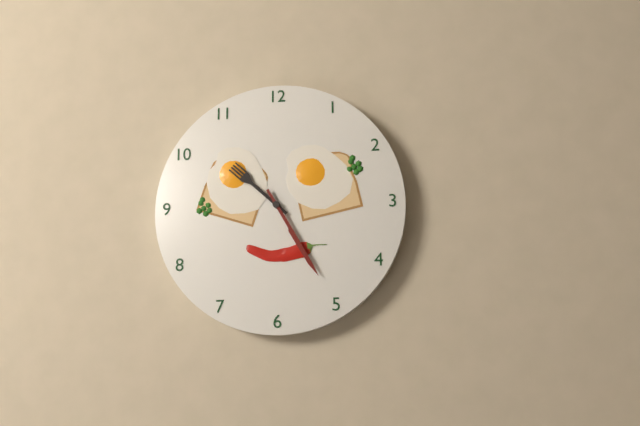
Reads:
h=10 m=25
